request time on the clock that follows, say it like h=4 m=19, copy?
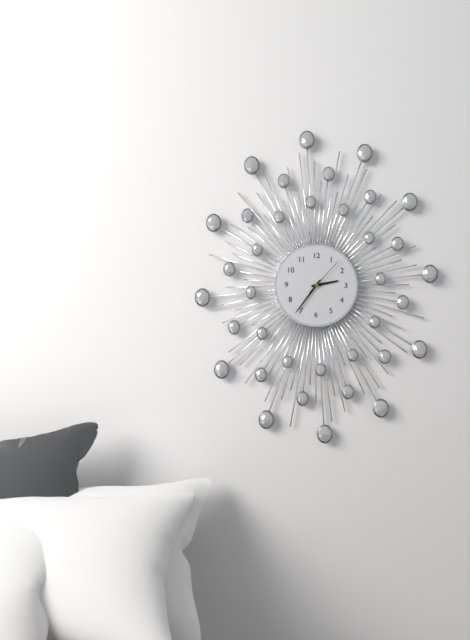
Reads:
h=2 m=36
